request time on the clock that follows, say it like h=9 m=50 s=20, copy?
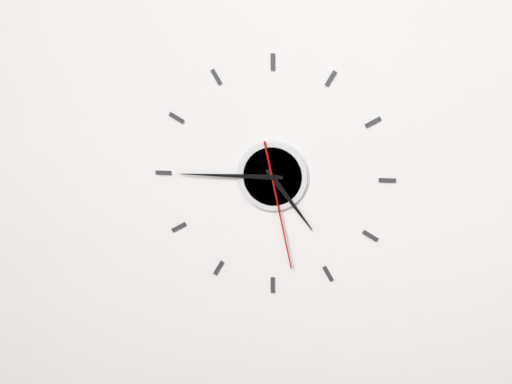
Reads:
h=4 m=45 s=28
